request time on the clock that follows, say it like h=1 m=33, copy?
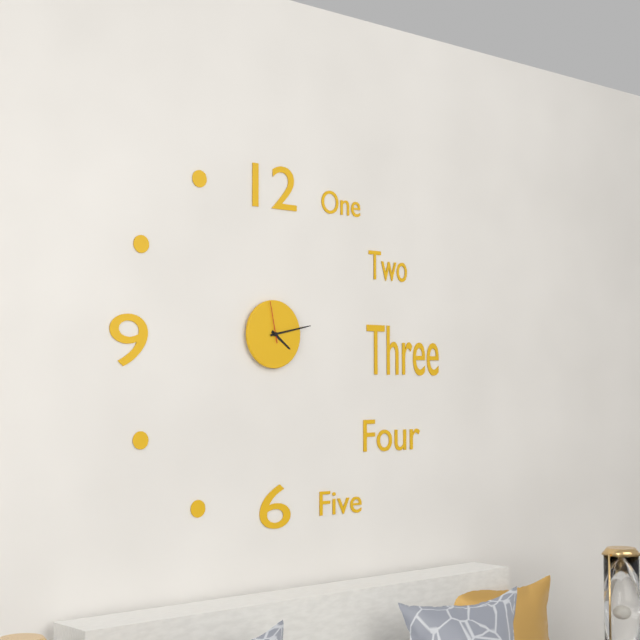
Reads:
h=4 m=13
